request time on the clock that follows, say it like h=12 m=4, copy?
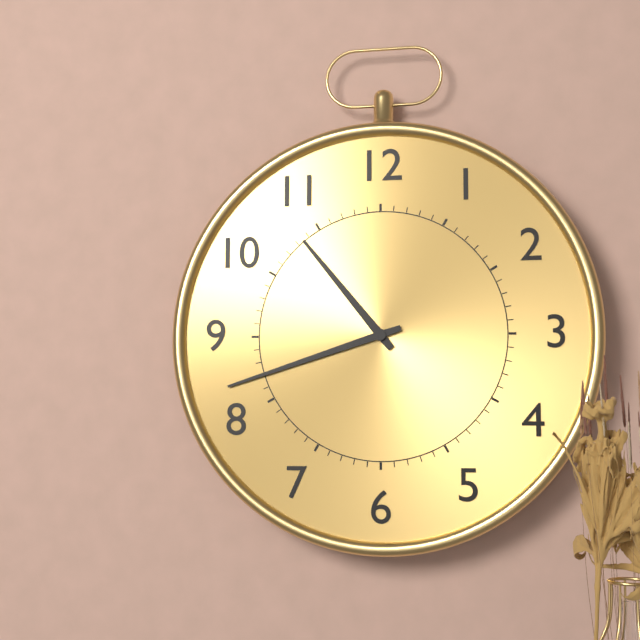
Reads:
h=10 m=42
